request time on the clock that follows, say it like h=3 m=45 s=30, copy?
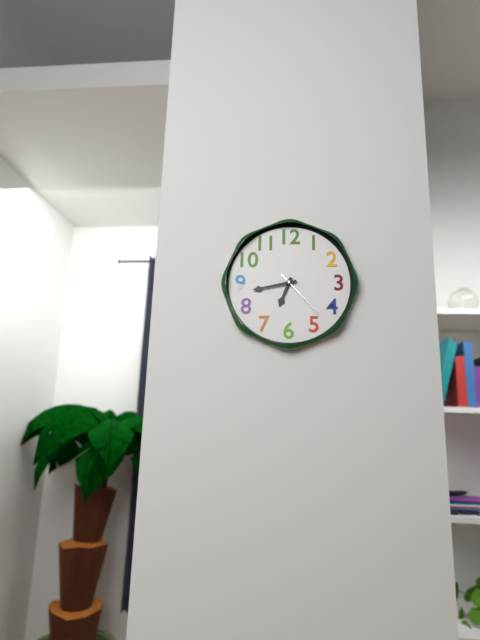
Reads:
h=6 m=43 s=23
